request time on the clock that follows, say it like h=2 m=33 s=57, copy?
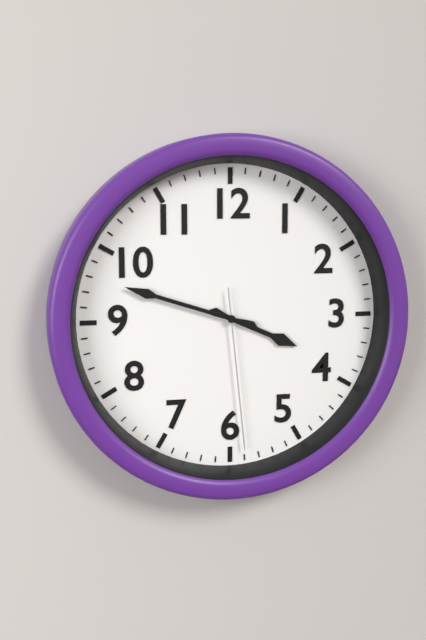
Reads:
h=3 m=48 s=29
